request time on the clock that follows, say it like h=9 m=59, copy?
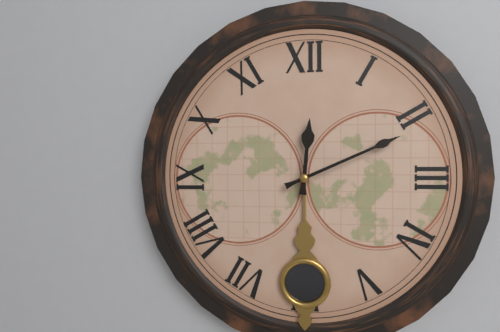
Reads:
h=12 m=11
